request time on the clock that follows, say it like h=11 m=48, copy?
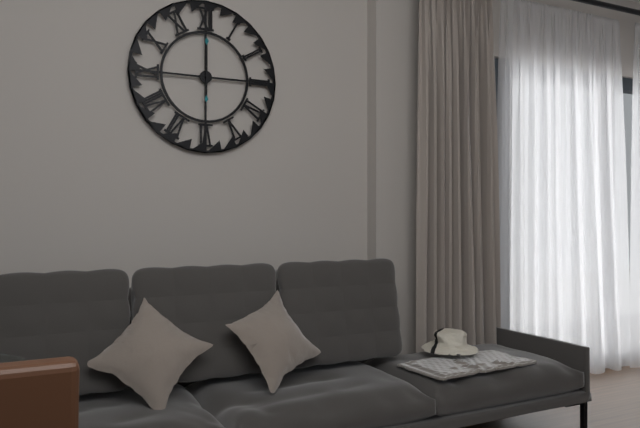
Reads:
h=6 m=0
